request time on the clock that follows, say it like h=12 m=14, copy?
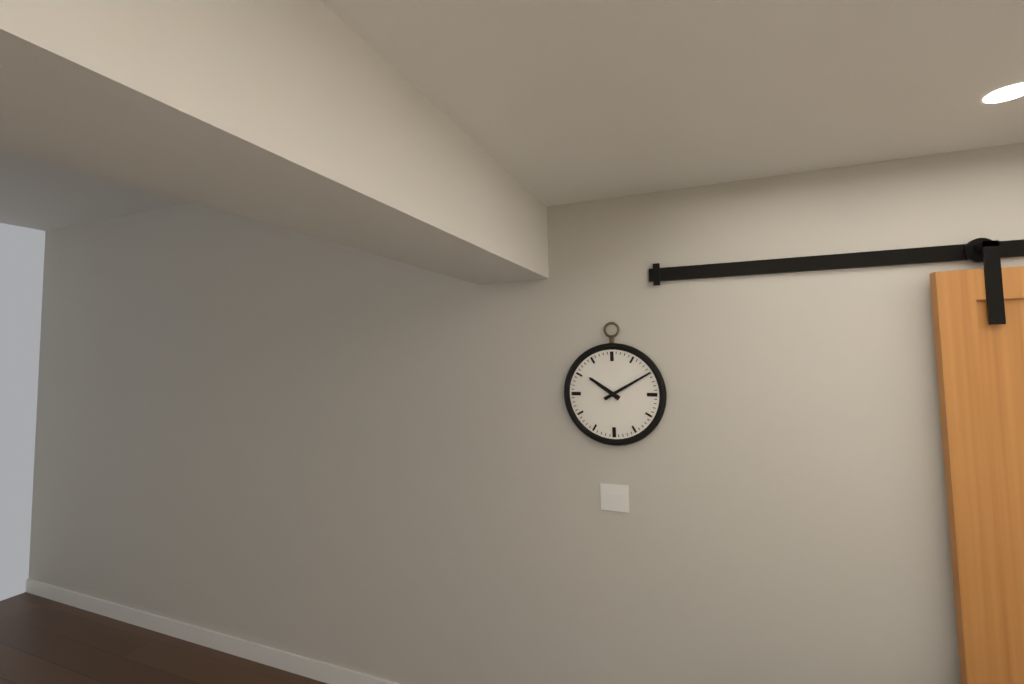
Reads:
h=10 m=10
